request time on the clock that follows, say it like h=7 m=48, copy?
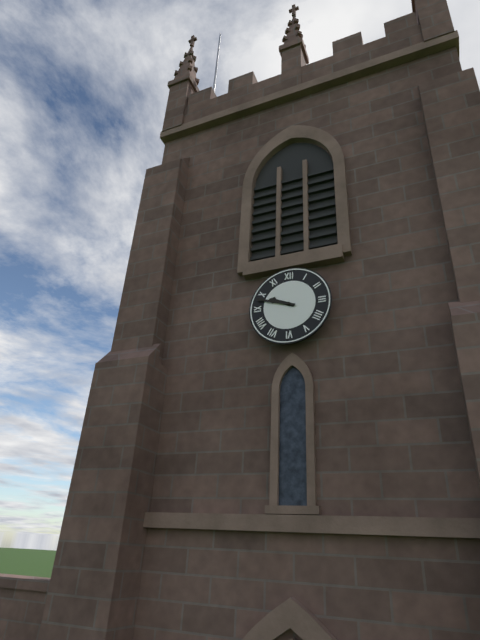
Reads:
h=9 m=48
